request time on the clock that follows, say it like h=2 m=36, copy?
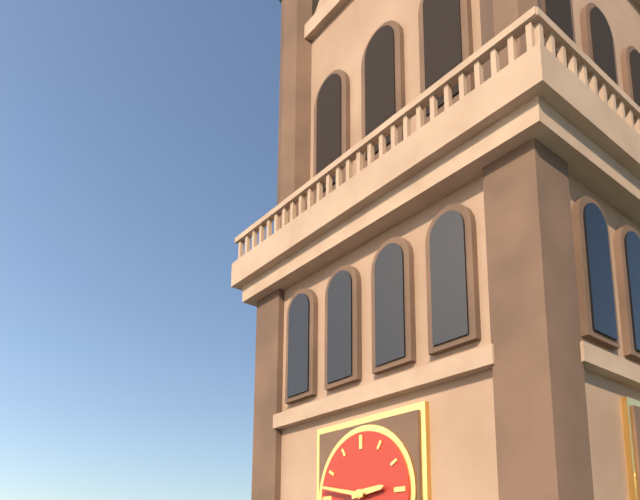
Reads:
h=2 m=47
